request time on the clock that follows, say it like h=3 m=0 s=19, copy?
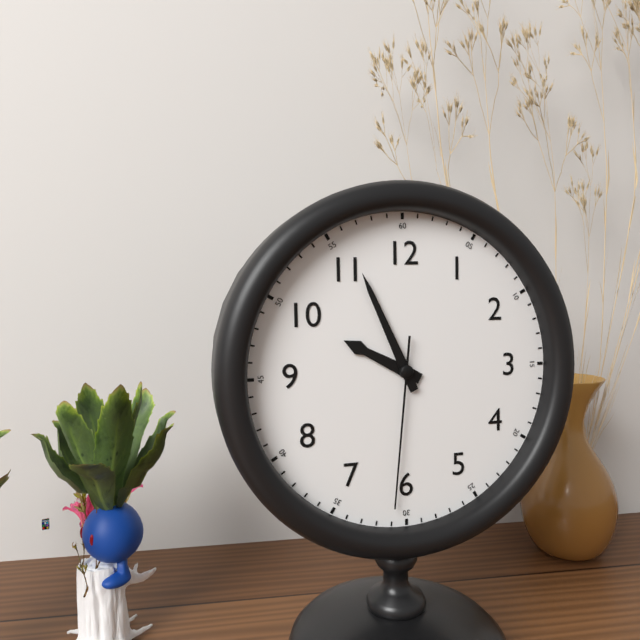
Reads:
h=9 m=56 s=31
